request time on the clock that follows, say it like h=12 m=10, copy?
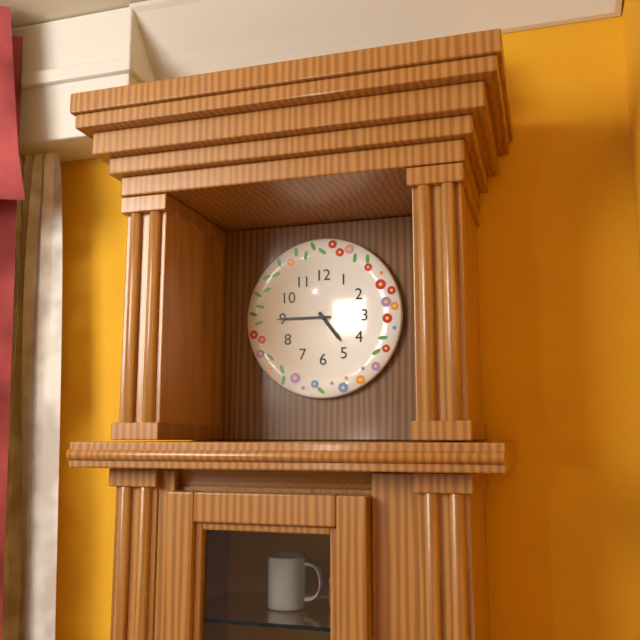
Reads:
h=4 m=45
